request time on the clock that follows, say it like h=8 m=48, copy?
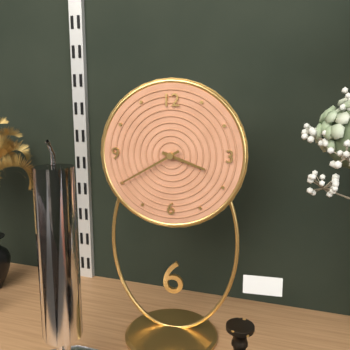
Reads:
h=3 m=40
